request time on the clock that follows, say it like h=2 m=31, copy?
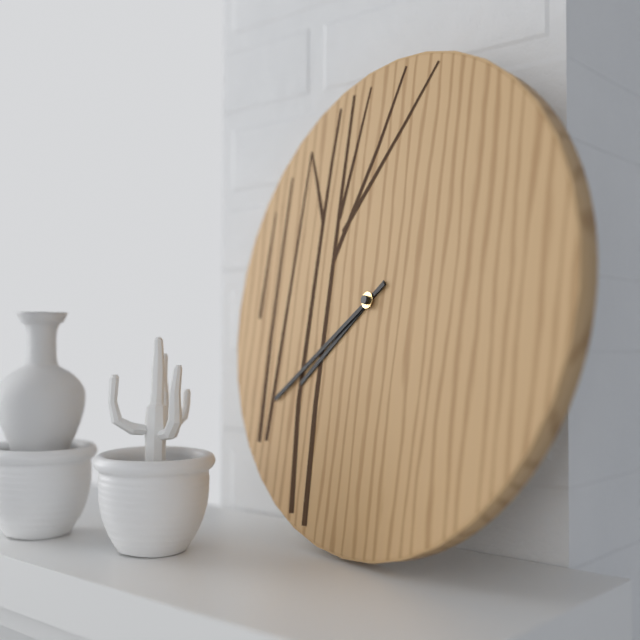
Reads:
h=7 m=39
